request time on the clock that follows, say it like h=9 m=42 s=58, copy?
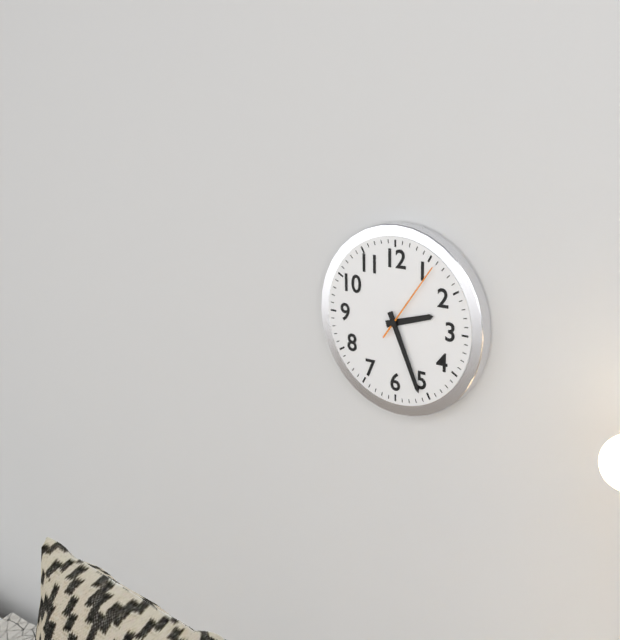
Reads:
h=2 m=26 s=6
